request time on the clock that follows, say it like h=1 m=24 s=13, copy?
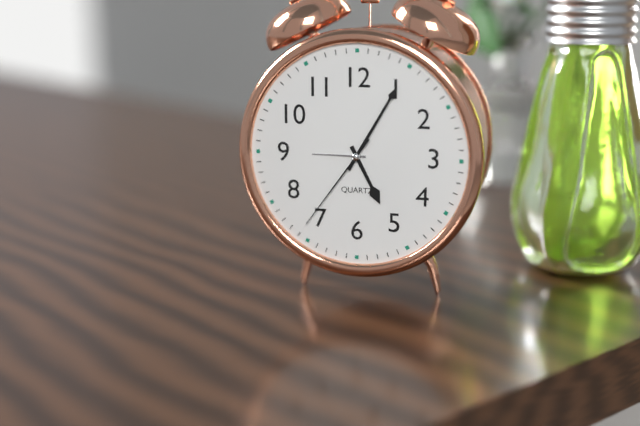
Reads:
h=5 m=5 s=36
